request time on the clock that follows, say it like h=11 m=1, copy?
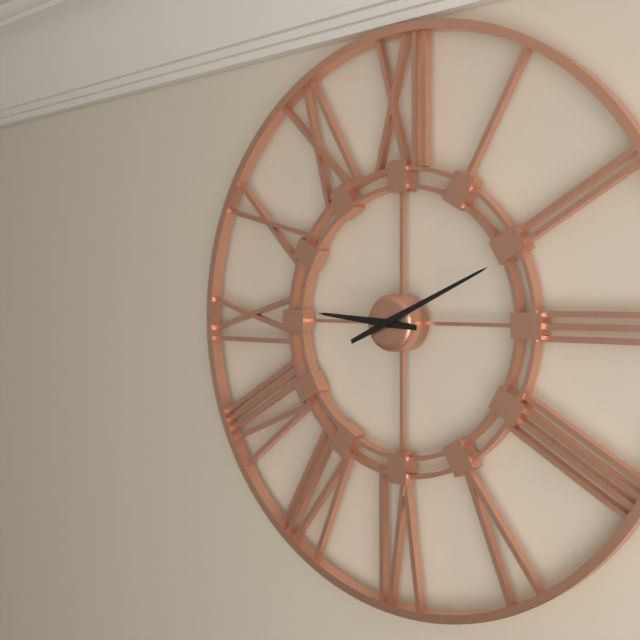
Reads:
h=9 m=11
